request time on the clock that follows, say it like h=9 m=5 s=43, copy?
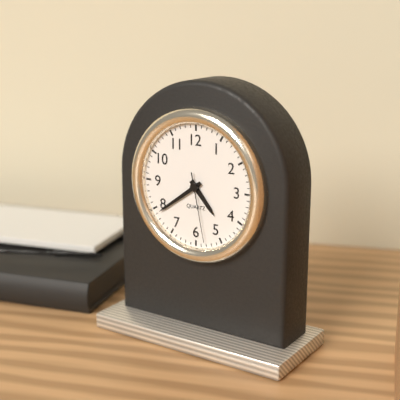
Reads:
h=4 m=39 s=28
